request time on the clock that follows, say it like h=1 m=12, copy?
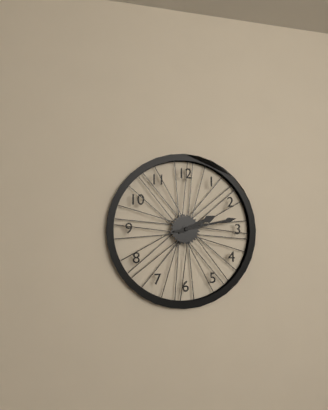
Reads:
h=2 m=13
